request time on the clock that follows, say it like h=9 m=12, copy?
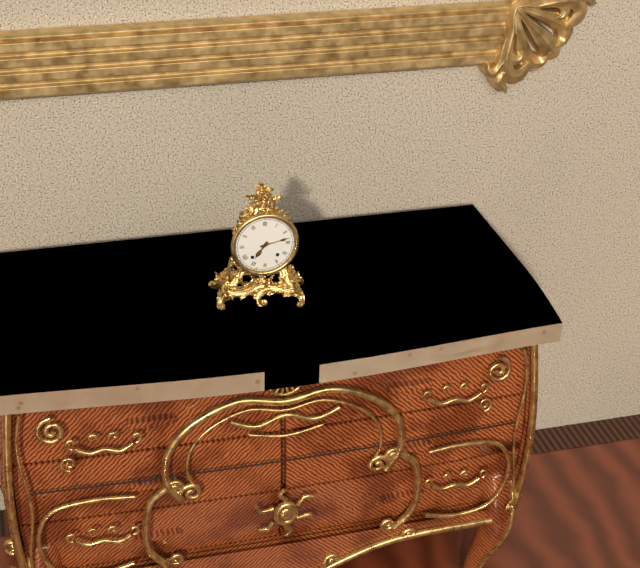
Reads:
h=7 m=13
